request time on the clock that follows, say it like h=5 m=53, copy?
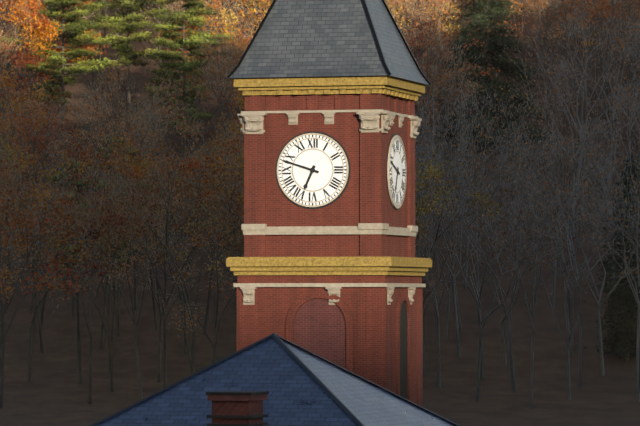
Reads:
h=6 m=48
